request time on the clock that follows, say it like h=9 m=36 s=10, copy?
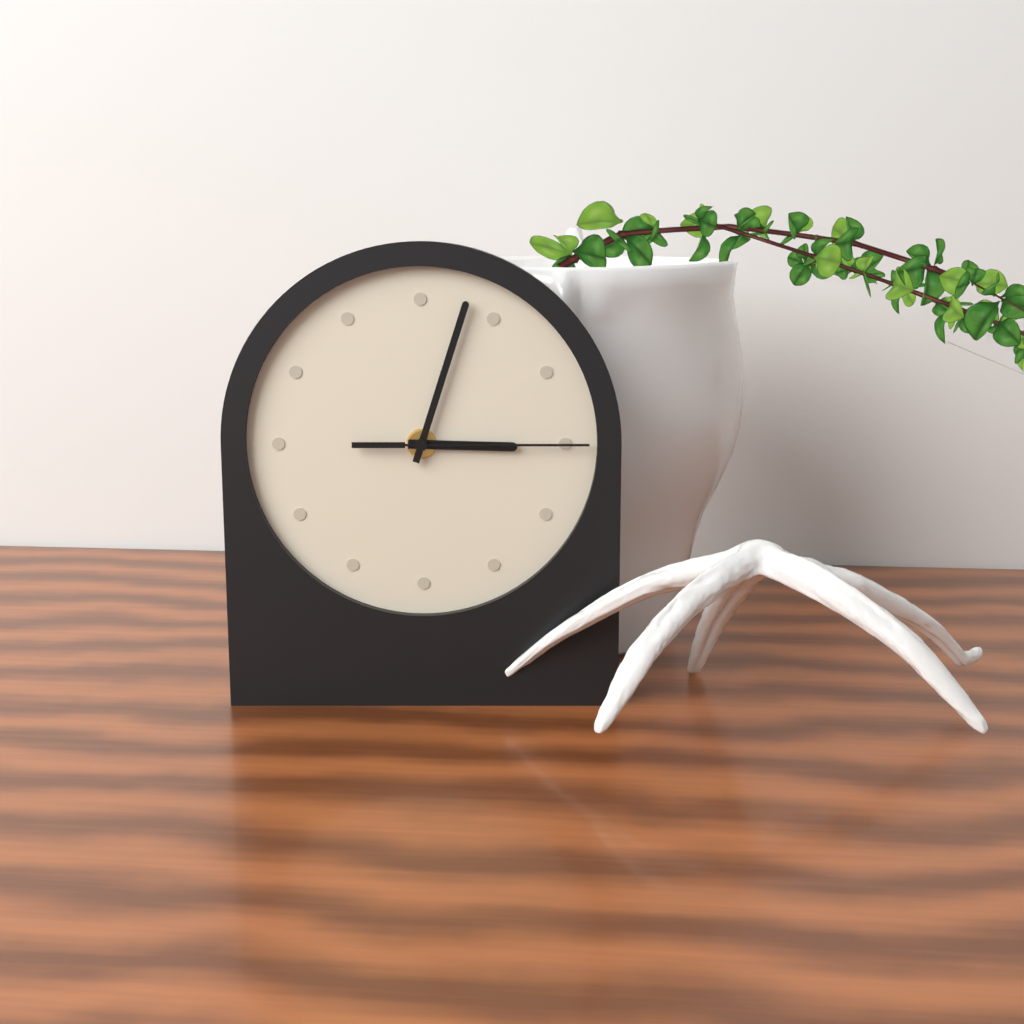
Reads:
h=3 m=3 s=15
